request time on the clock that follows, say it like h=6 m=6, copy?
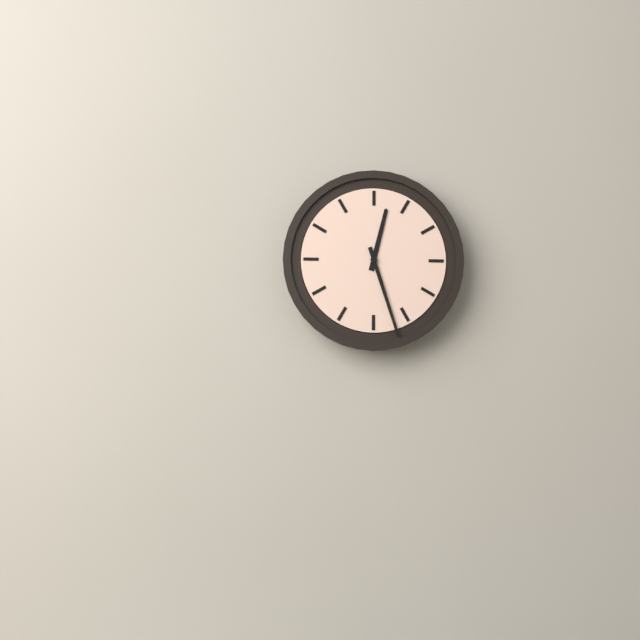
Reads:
h=12 m=27
